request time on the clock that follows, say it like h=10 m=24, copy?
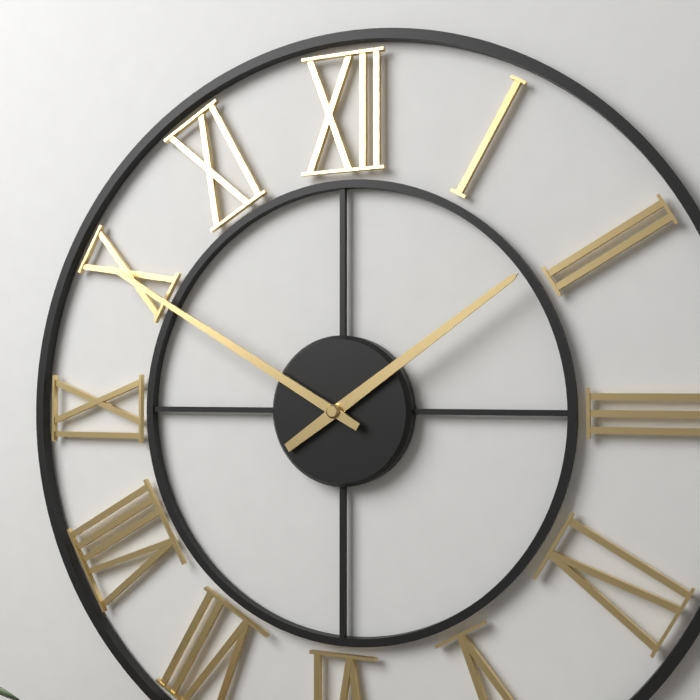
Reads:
h=1 m=50
